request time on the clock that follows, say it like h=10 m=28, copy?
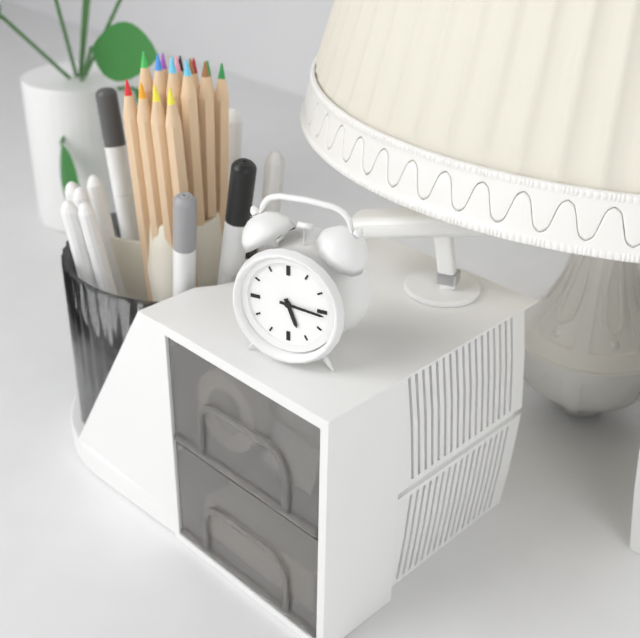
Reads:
h=5 m=16
